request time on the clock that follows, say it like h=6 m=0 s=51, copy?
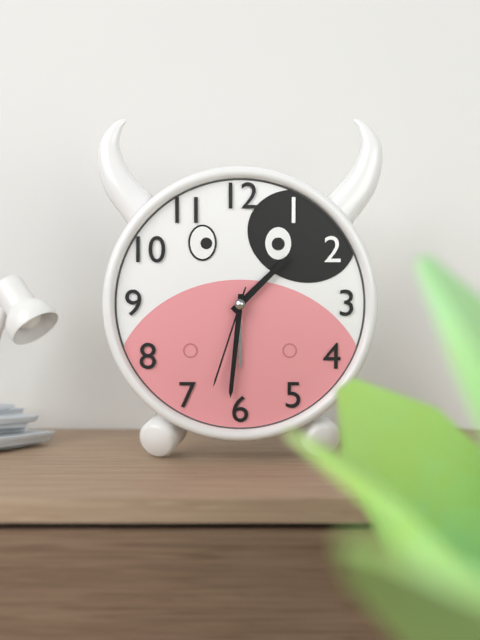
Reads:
h=1 m=31 s=33
